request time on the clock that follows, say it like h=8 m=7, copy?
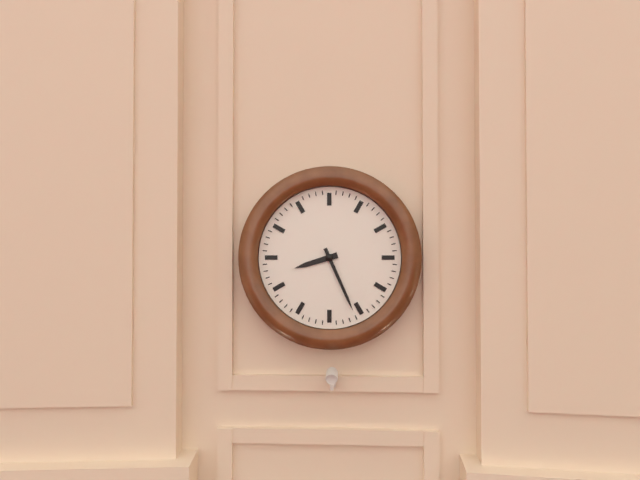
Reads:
h=8 m=26
